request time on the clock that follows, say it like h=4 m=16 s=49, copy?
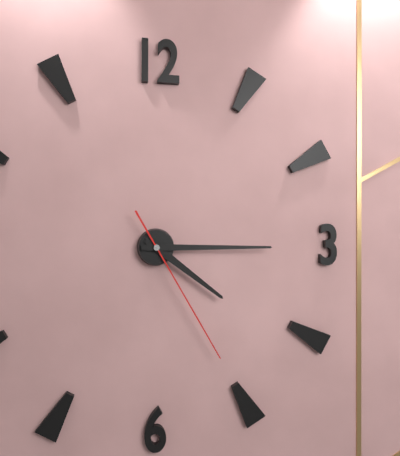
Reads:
h=4 m=15 s=25
